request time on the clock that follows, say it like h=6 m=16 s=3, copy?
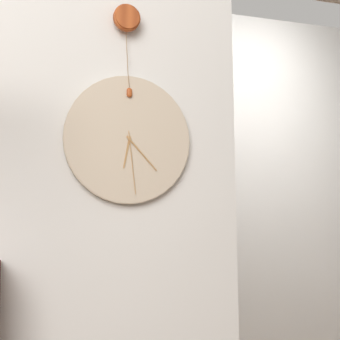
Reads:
h=6 m=23 s=29
